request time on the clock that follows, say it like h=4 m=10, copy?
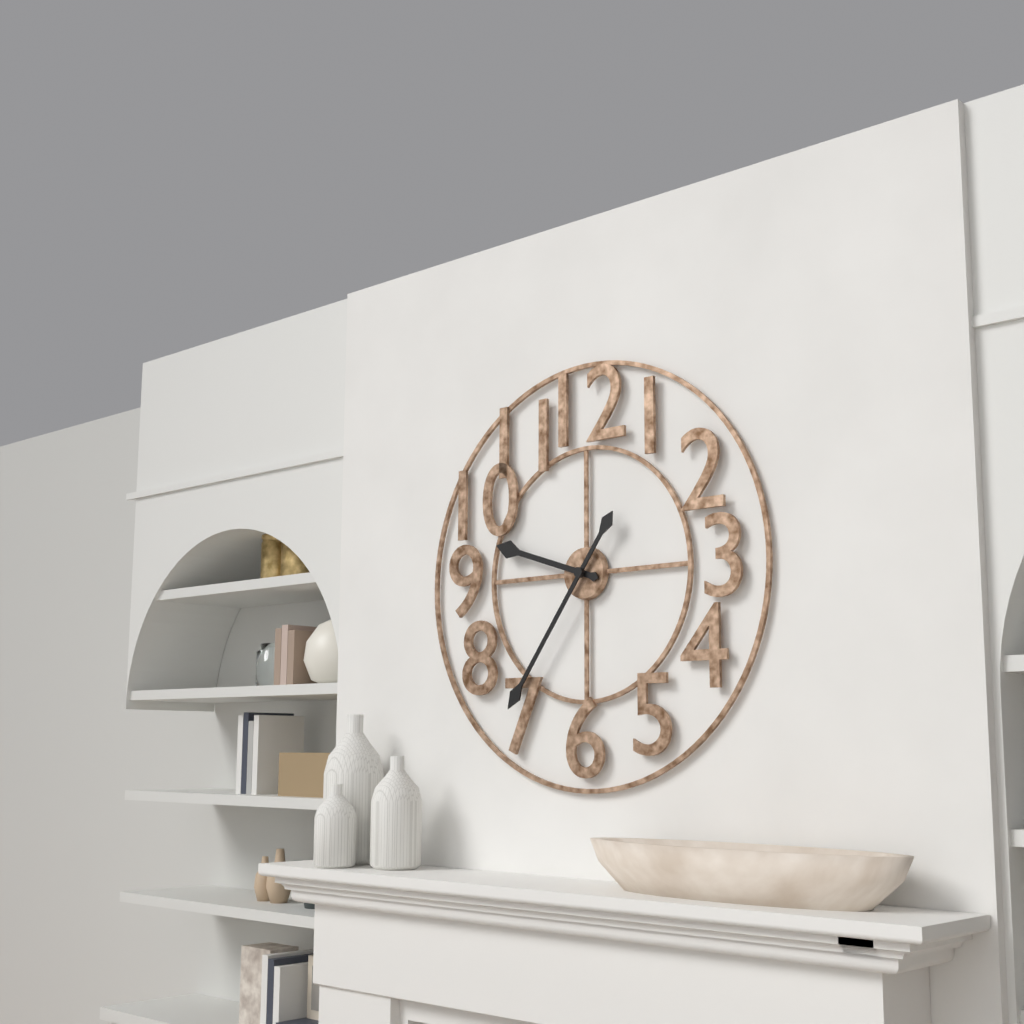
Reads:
h=9 m=36
